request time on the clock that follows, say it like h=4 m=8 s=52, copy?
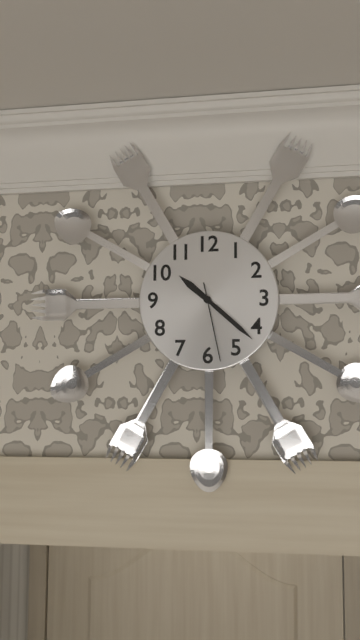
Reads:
h=10 m=22 s=28
